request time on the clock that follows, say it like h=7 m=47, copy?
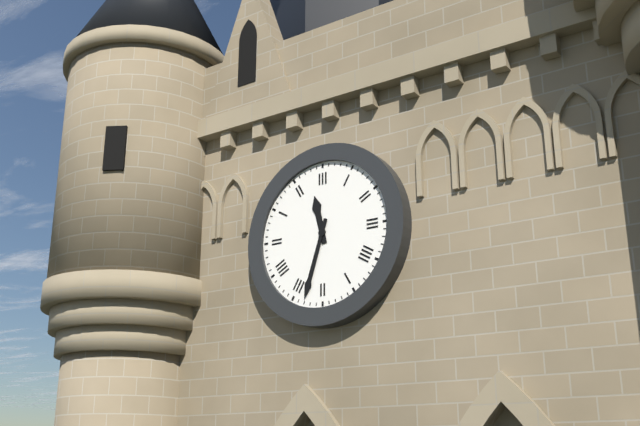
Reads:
h=11 m=33
